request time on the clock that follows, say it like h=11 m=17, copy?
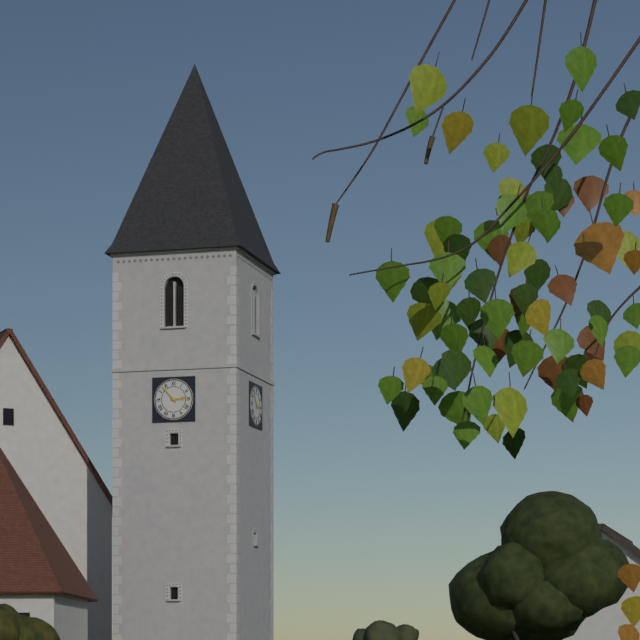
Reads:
h=2 m=53
